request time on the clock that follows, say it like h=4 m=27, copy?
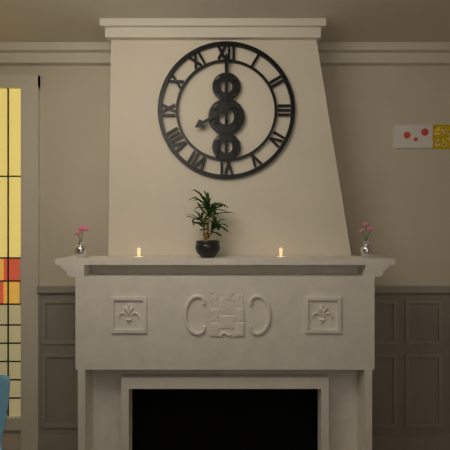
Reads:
h=8 m=0
